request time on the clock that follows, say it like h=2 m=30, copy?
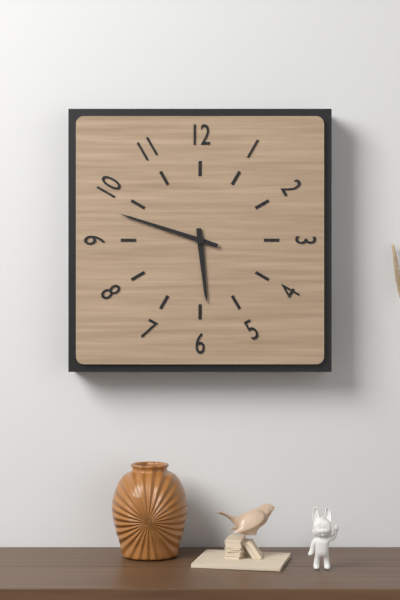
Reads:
h=5 m=48
